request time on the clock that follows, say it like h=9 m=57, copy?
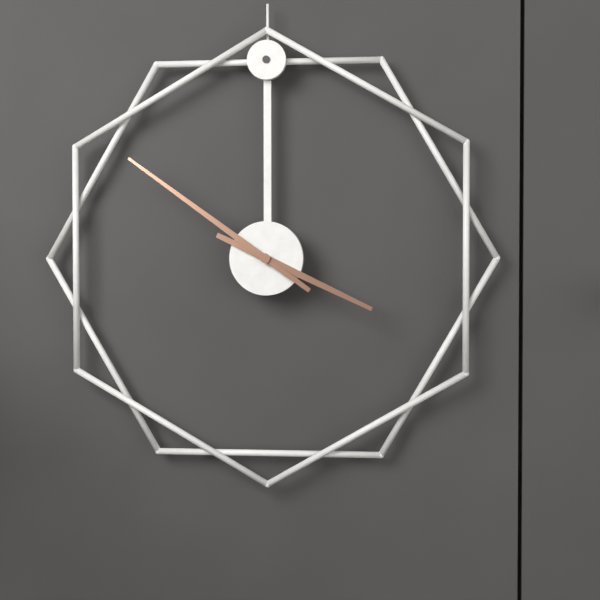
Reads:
h=3 m=51
